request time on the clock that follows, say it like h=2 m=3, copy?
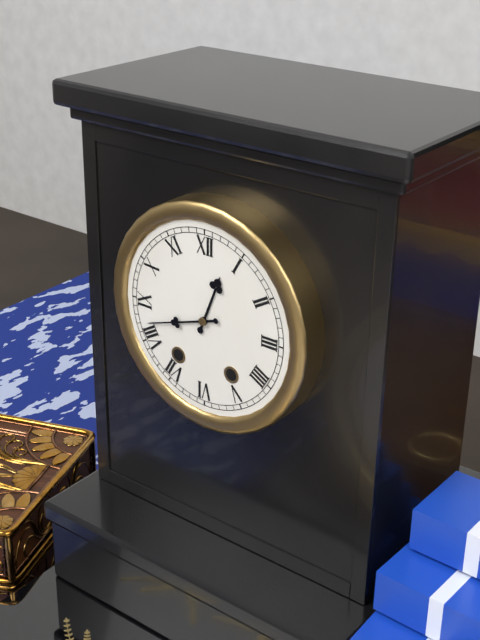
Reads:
h=12 m=42
